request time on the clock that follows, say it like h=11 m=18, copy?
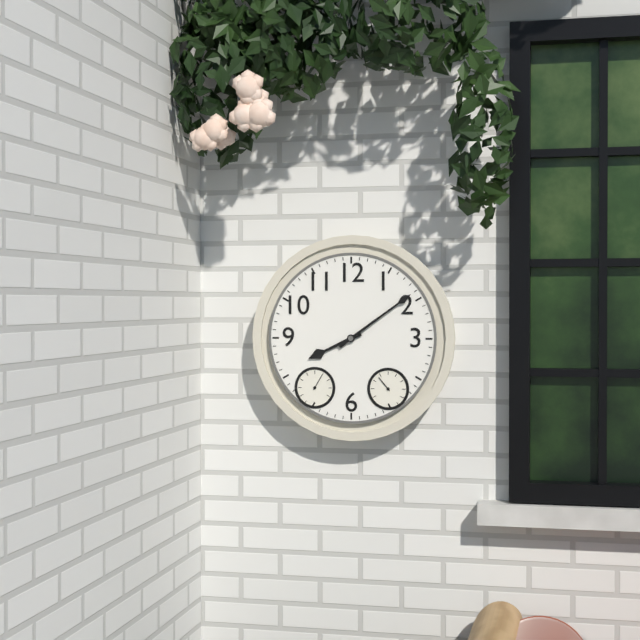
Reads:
h=8 m=9
